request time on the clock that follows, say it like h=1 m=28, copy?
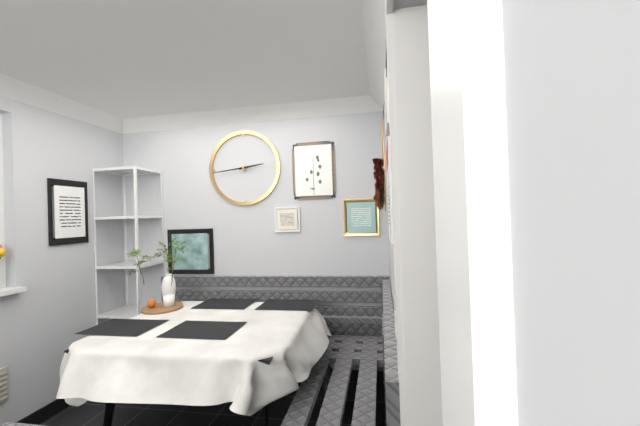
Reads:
h=2 m=44
